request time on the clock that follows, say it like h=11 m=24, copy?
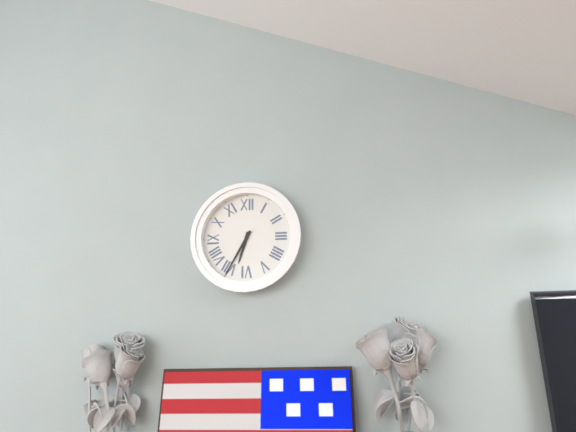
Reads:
h=6 m=35
